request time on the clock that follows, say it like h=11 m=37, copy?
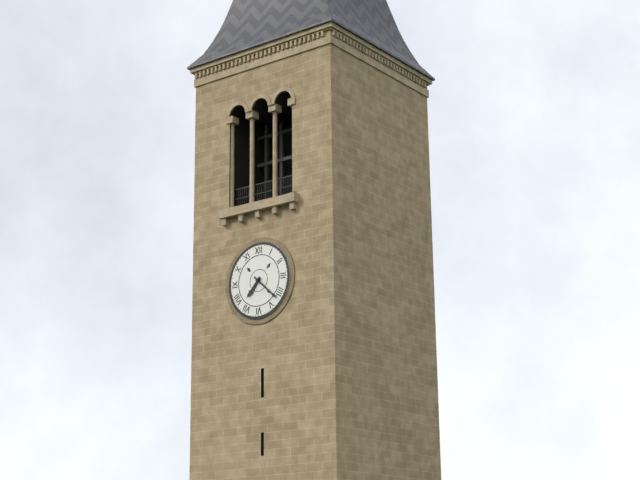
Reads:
h=7 m=22
